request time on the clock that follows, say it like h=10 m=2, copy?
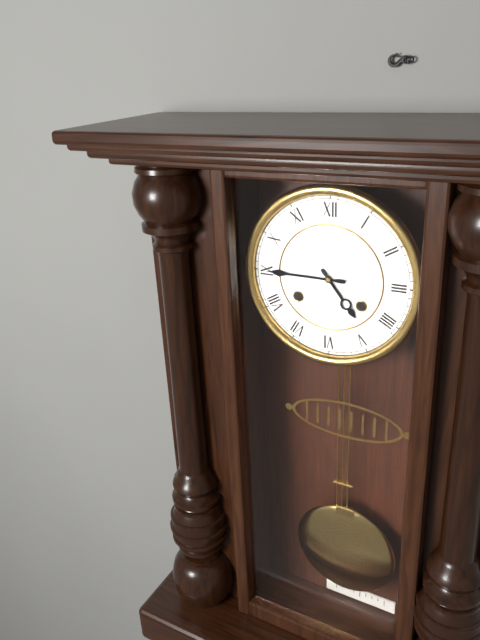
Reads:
h=4 m=45
